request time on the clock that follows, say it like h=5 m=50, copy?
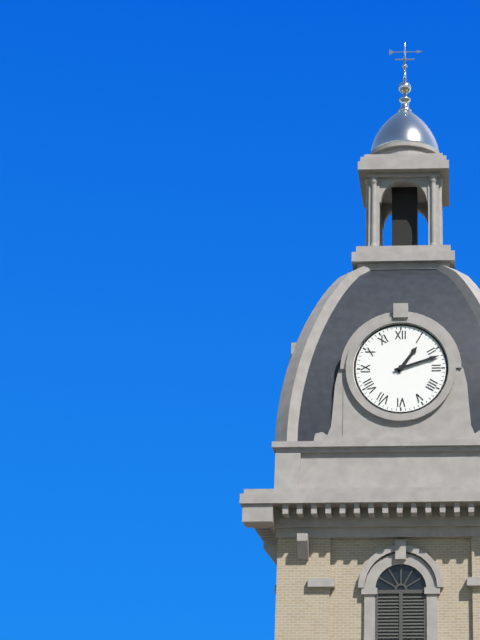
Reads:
h=1 m=12
